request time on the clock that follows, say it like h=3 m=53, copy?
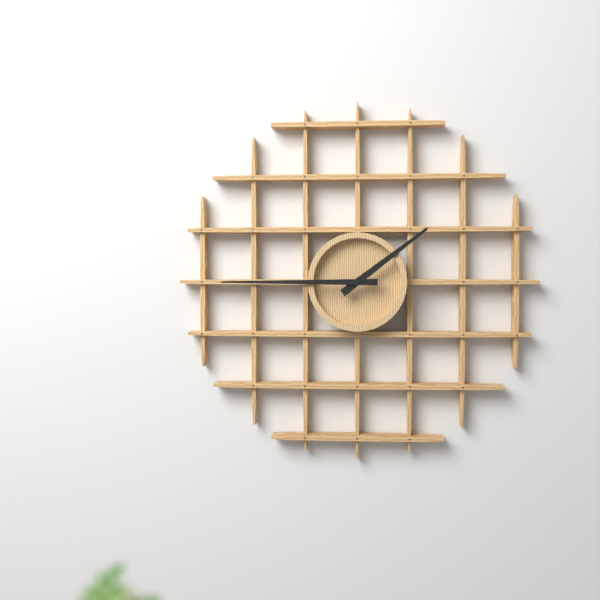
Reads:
h=1 m=45
